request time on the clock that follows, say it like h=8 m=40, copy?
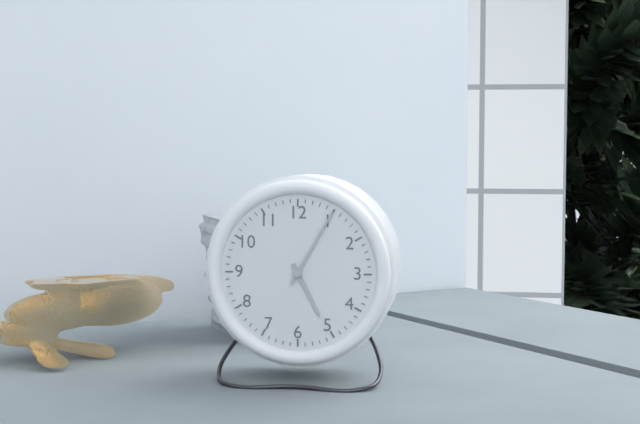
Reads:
h=5 m=5
